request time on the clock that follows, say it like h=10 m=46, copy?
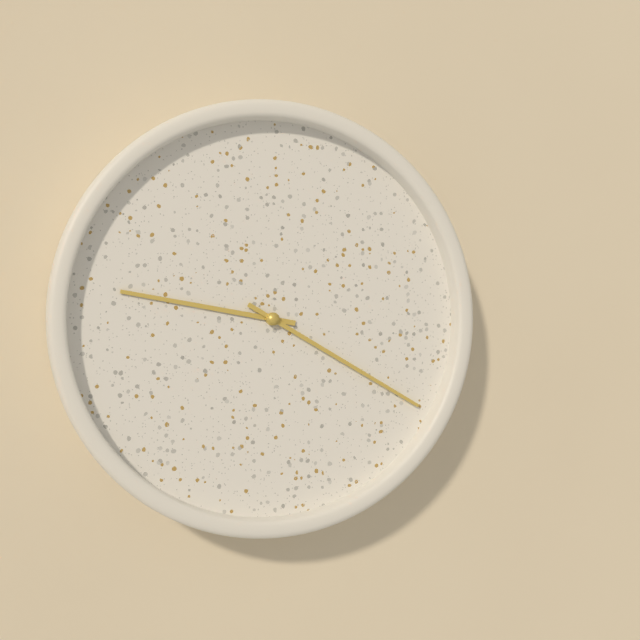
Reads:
h=9 m=20
